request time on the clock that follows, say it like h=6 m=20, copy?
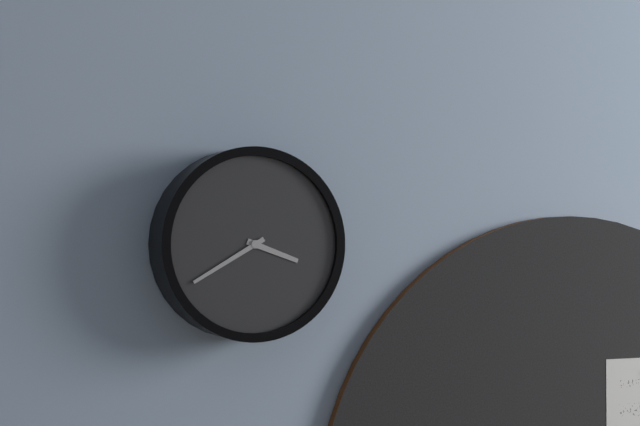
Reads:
h=3 m=40
